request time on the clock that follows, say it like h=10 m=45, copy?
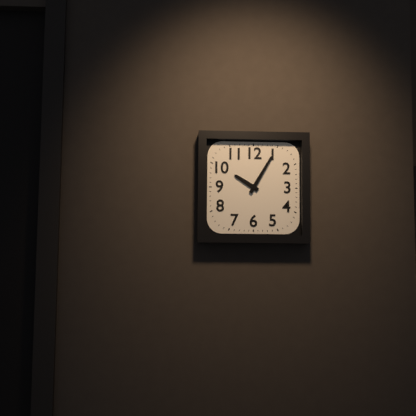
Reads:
h=10 m=5
